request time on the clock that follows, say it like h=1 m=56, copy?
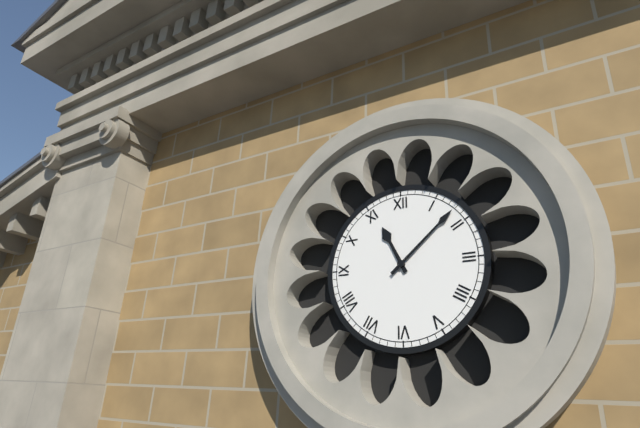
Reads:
h=11 m=8
